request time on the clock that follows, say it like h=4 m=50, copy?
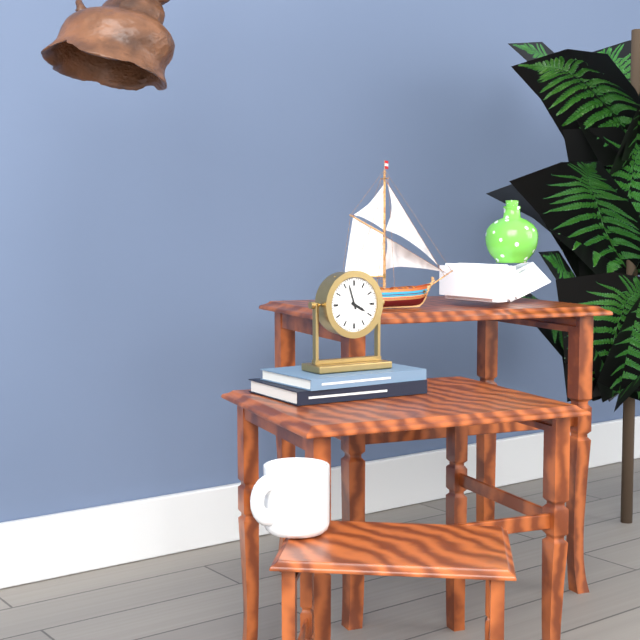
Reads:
h=3 m=57
